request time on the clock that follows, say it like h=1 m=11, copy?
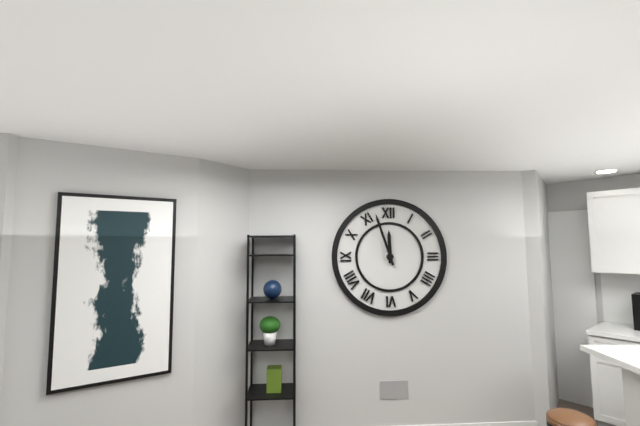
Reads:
h=11 m=57
